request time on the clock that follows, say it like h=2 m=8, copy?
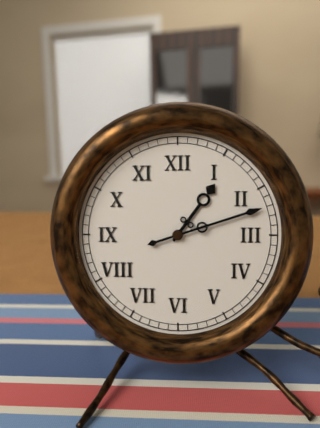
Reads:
h=1 m=12
